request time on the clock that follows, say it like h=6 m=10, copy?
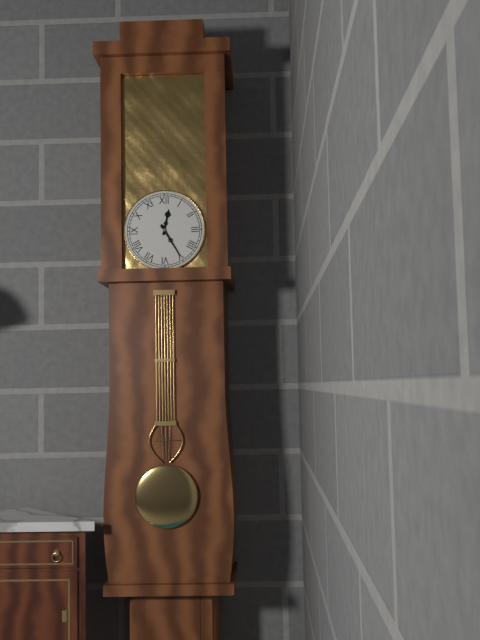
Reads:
h=12 m=25
